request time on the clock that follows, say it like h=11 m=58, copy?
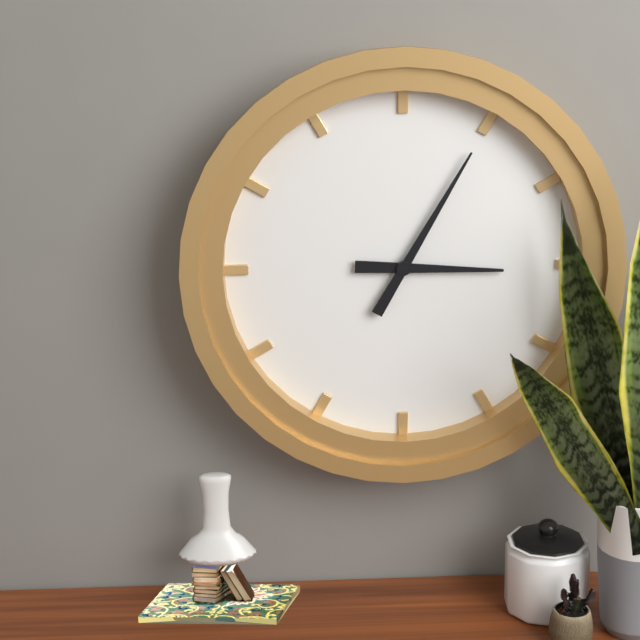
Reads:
h=3 m=5
